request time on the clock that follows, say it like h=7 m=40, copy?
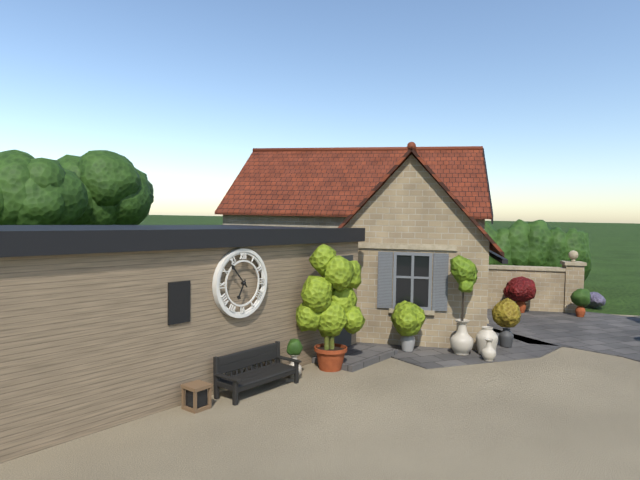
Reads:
h=6 m=53
